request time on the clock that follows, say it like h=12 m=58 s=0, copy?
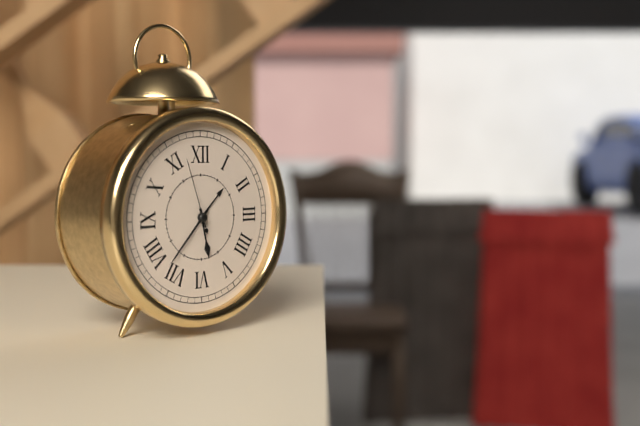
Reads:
h=5 m=37 s=57
